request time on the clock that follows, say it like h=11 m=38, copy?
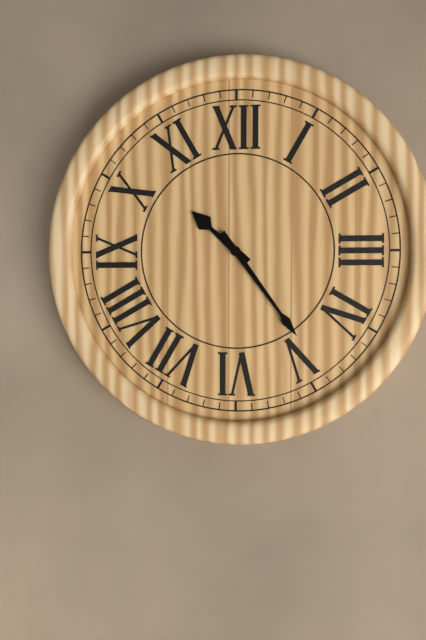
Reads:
h=10 m=24
